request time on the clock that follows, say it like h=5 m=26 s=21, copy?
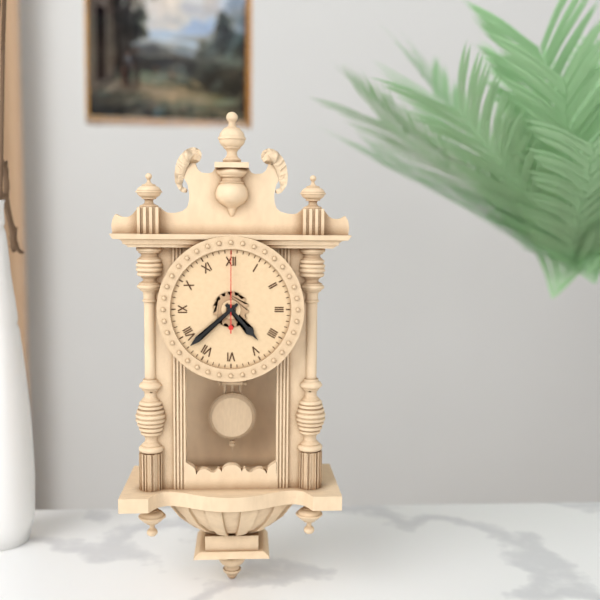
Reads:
h=4 m=38 s=0
